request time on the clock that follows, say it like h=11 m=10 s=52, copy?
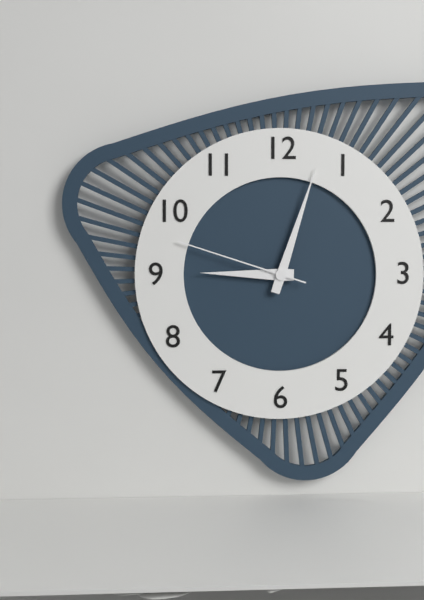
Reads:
h=9 m=3 s=48
